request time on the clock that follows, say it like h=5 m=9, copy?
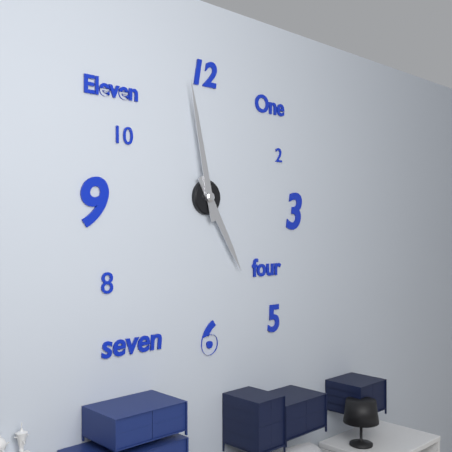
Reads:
h=4 m=58
